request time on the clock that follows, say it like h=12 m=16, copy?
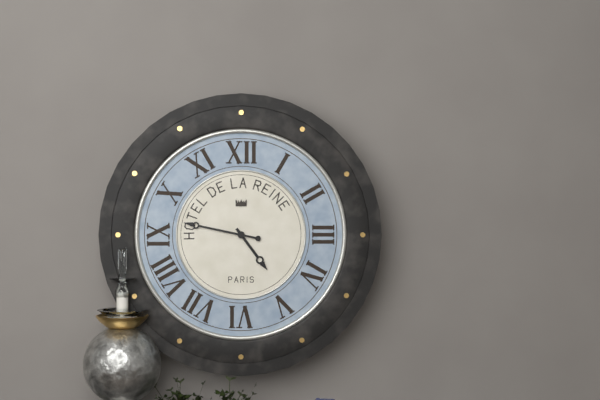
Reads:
h=4 m=47
